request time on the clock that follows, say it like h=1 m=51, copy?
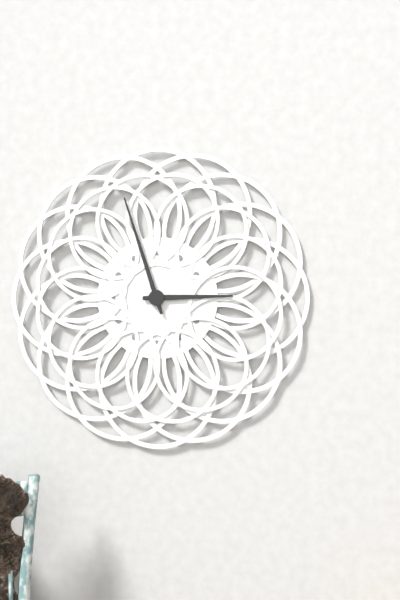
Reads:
h=2 m=57
